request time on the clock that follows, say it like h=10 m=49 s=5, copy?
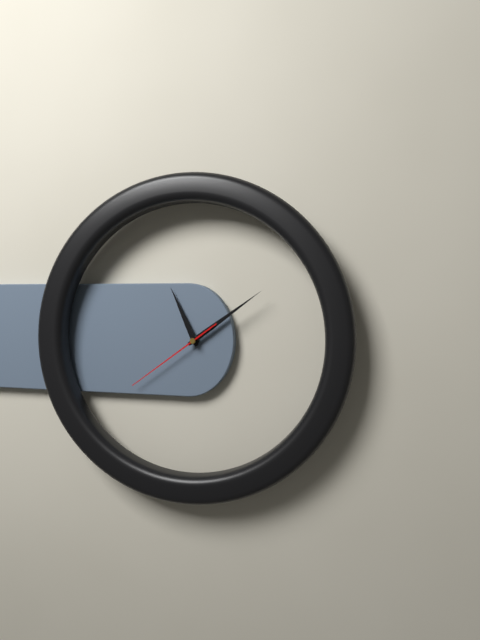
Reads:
h=11 m=9 s=39
